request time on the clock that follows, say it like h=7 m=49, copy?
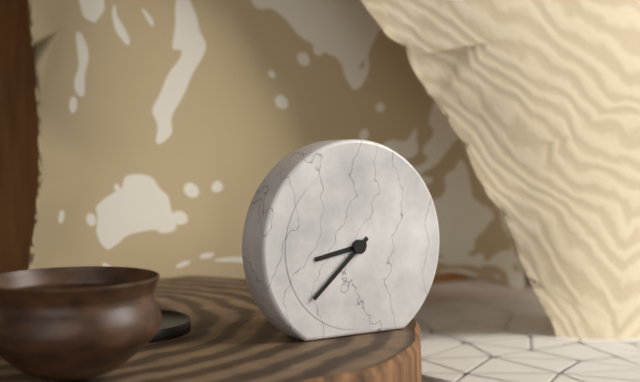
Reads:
h=8 m=38
